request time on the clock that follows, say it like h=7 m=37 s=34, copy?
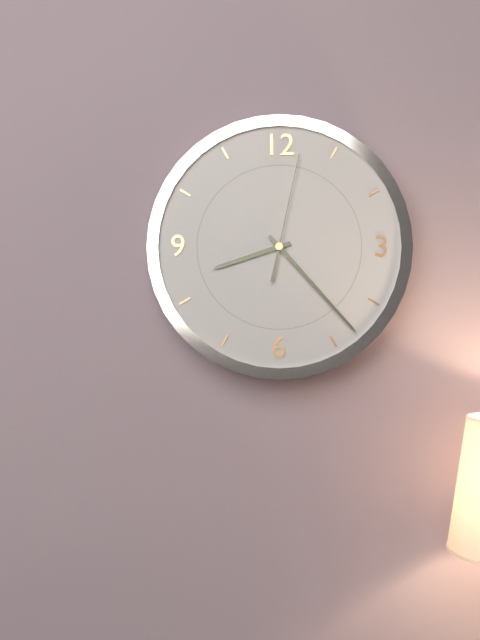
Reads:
h=8 m=23 s=2
